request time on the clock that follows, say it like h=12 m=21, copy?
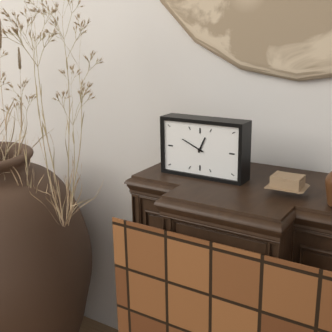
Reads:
h=12 m=49
